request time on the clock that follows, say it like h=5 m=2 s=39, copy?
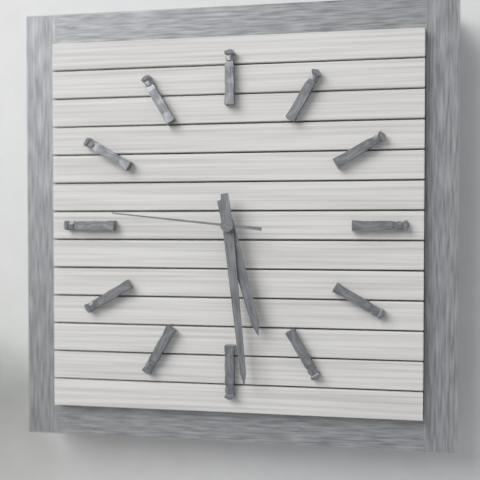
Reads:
h=5 m=29 s=46
